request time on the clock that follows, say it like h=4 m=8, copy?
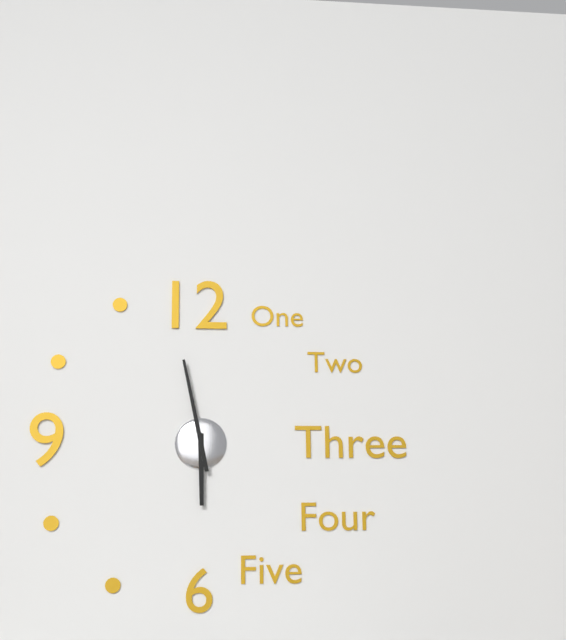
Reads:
h=5 m=58
